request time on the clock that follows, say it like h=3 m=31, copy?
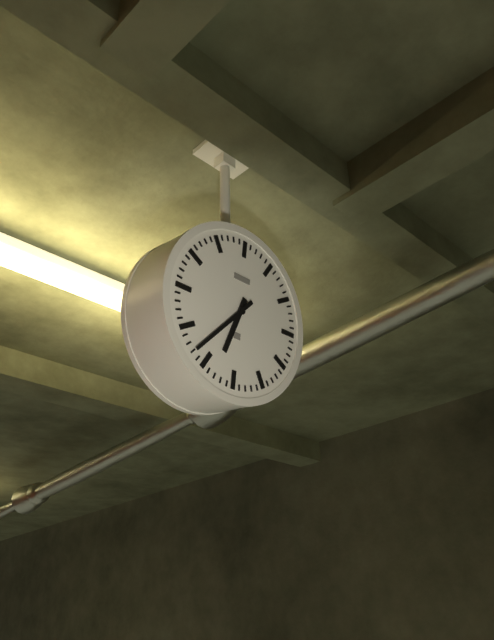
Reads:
h=6 m=37
